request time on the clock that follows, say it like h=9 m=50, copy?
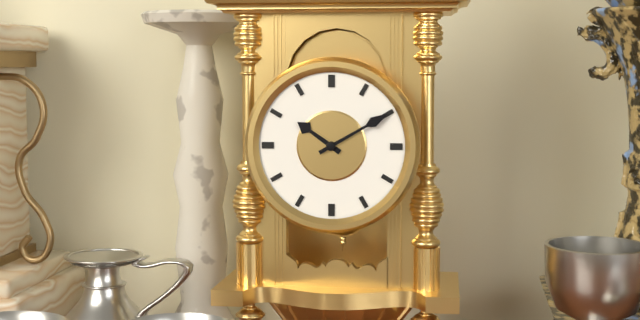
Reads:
h=10 m=10
